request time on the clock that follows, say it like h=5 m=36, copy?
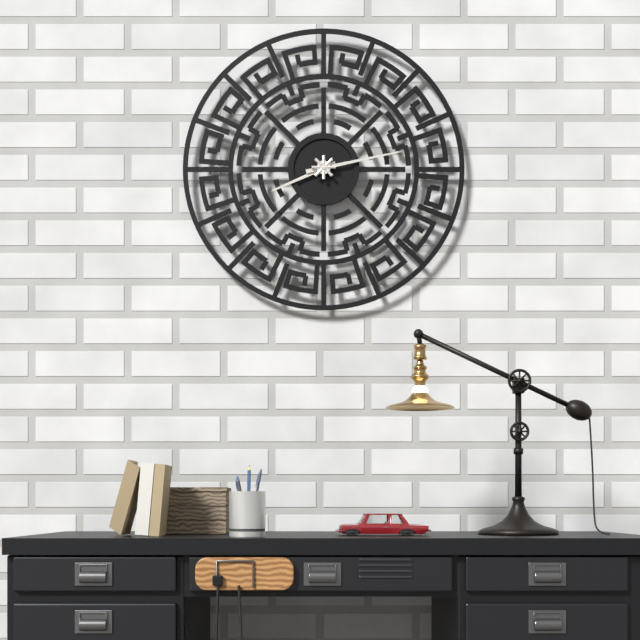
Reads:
h=8 m=13
